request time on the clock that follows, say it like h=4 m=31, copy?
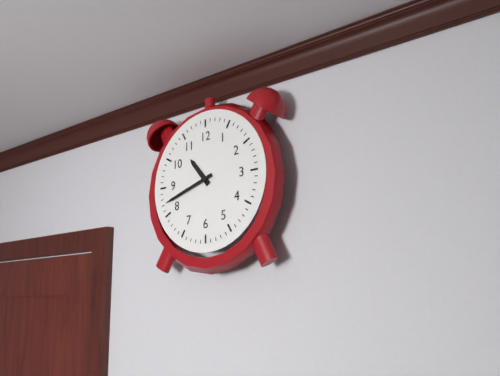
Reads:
h=10 m=42
